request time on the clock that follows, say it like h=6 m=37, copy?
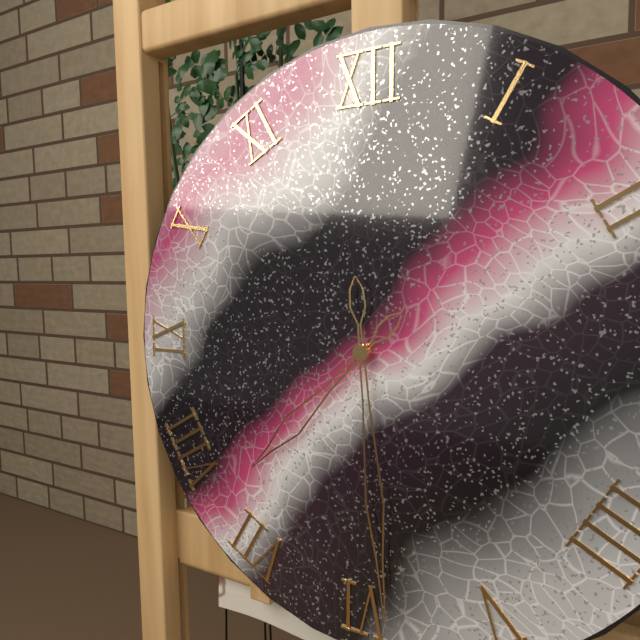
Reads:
h=7 m=29
